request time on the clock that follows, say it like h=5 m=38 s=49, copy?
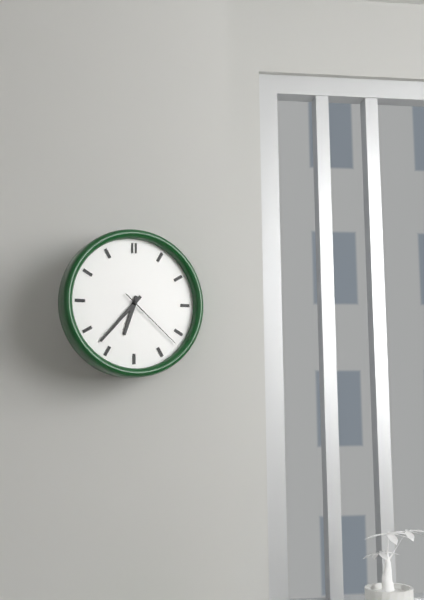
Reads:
h=6 m=37 s=22
